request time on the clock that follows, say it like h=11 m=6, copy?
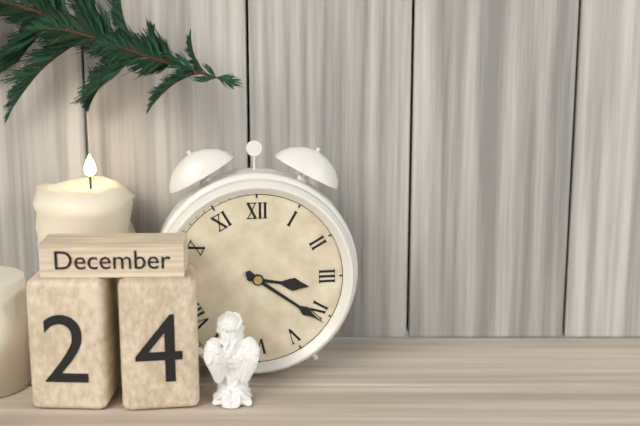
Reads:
h=3 m=21
